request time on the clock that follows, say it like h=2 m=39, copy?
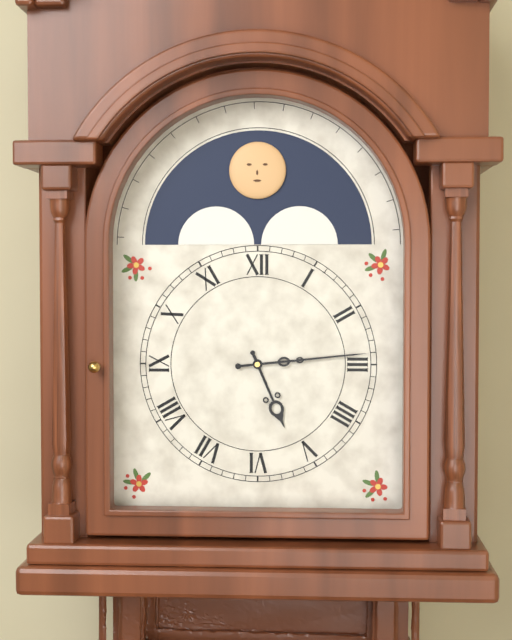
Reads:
h=5 m=14
